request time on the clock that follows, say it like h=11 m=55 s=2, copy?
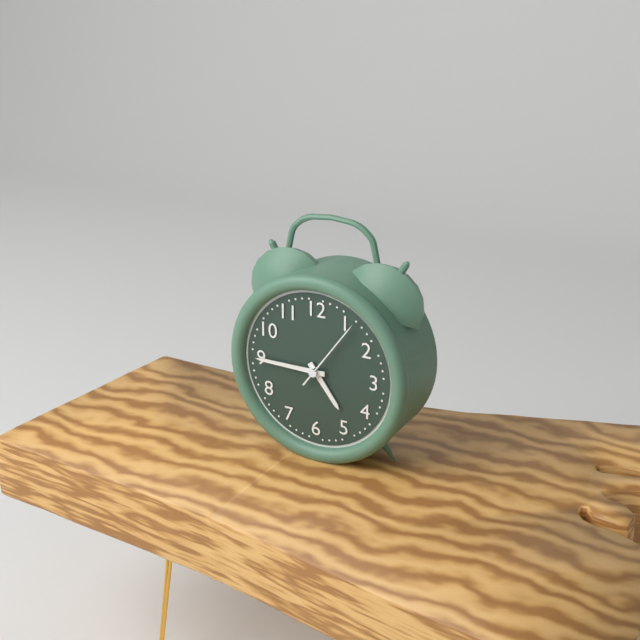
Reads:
h=4 m=45 s=6
